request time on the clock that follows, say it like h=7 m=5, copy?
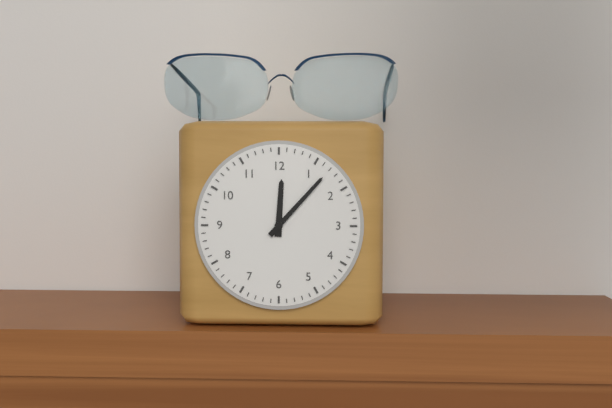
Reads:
h=12 m=7
